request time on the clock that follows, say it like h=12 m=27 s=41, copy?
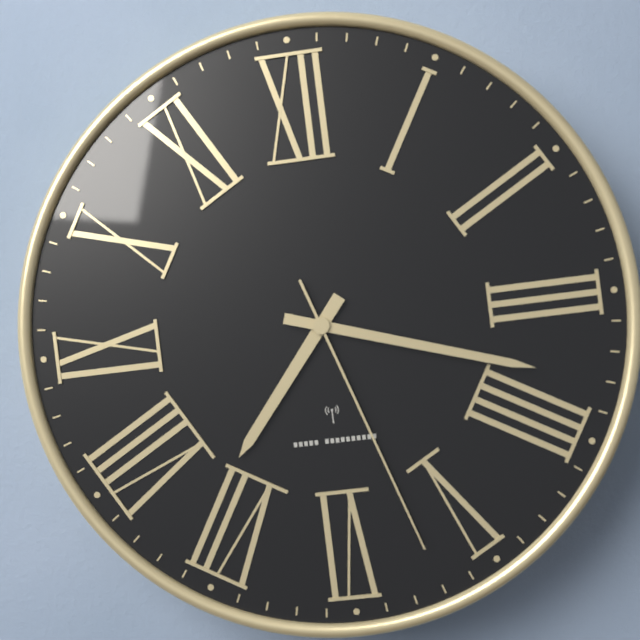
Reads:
h=7 m=18 s=27
